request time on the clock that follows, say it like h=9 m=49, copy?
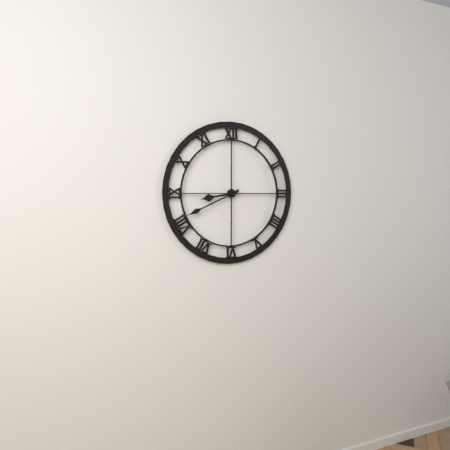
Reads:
h=8 m=41
